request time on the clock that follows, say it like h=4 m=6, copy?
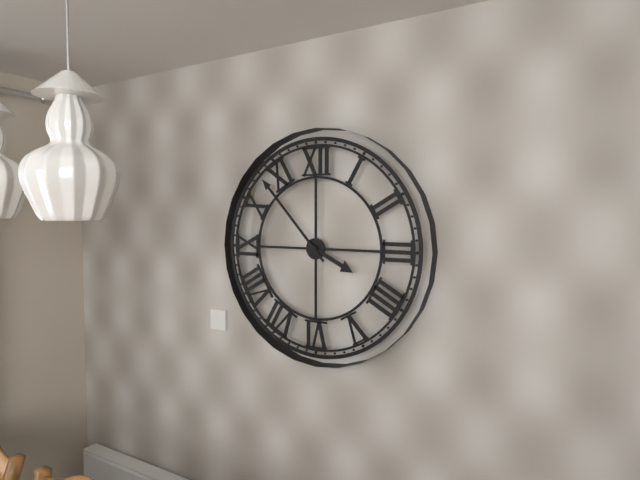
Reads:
h=3 m=53
